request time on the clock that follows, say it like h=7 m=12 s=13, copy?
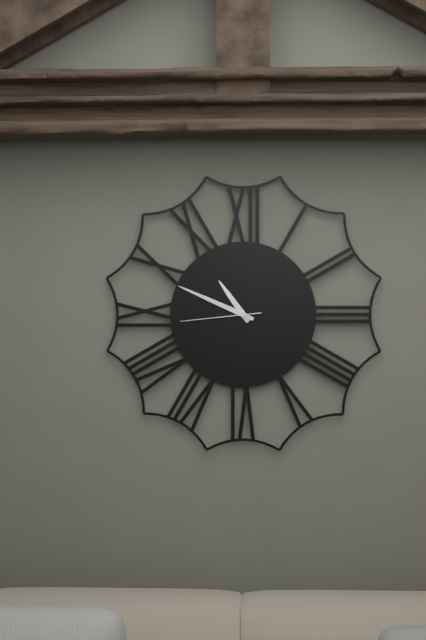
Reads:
h=10 m=49 s=44
